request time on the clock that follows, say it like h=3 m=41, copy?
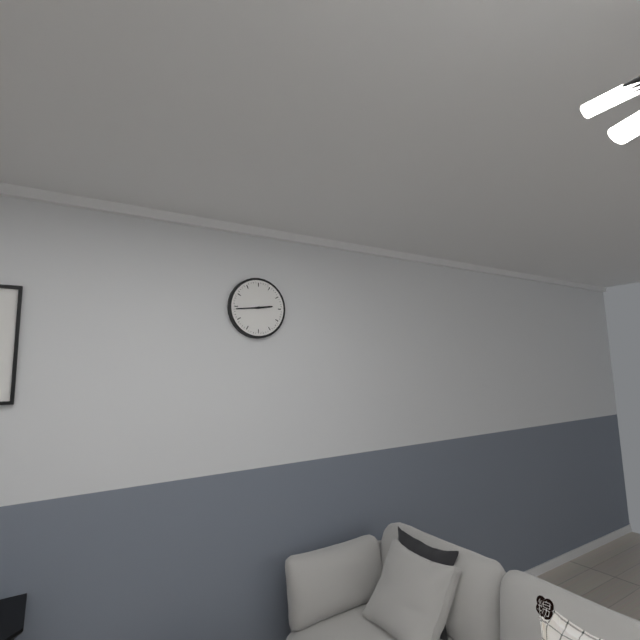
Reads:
h=2 m=44
